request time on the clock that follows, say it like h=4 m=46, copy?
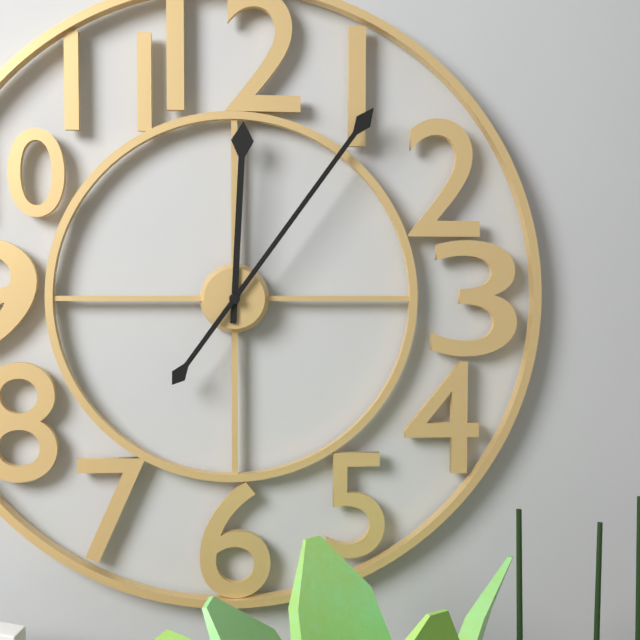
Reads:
h=12 m=6
